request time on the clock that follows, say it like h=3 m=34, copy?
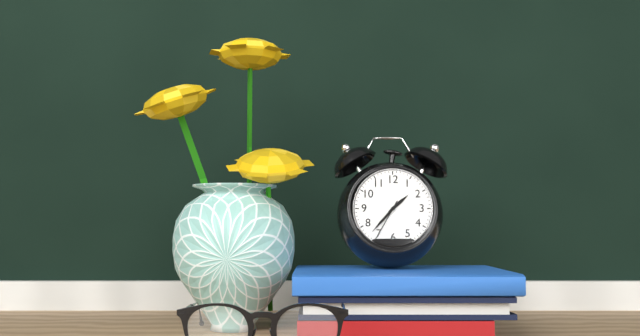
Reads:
h=1 m=37
